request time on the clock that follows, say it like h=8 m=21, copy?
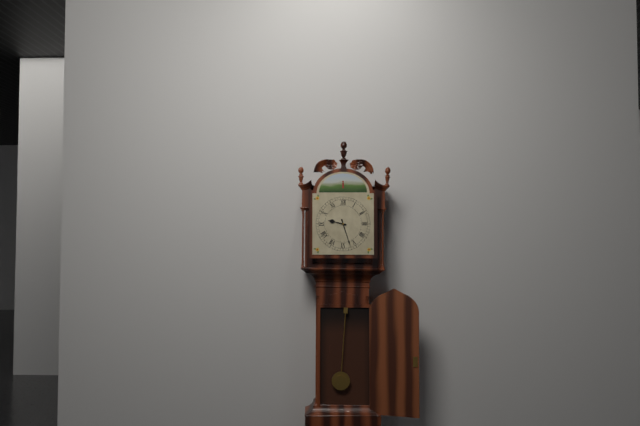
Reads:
h=9 m=27
